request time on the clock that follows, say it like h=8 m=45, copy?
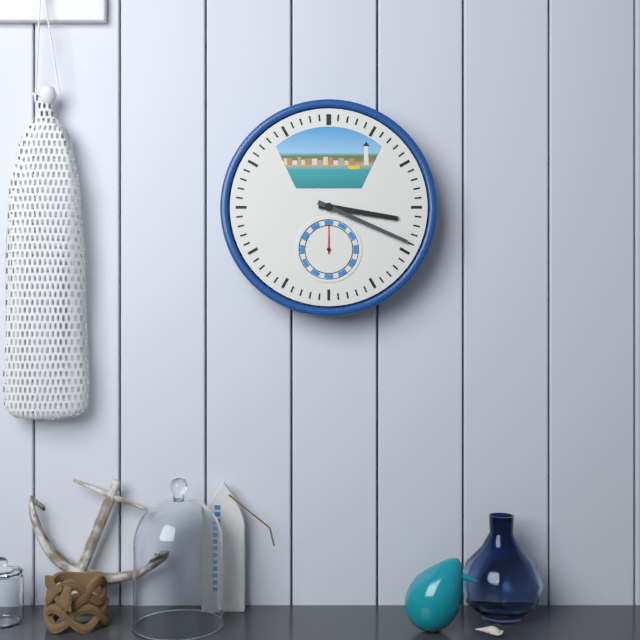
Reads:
h=3 m=19
